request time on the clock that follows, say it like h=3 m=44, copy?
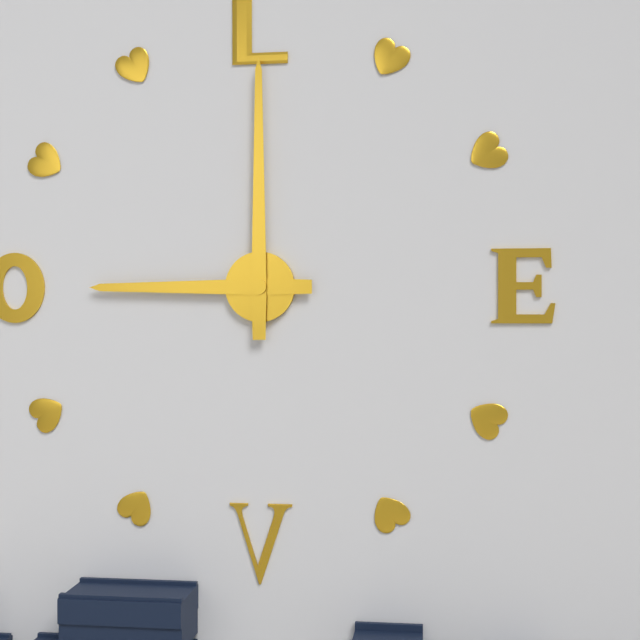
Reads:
h=9 m=0
